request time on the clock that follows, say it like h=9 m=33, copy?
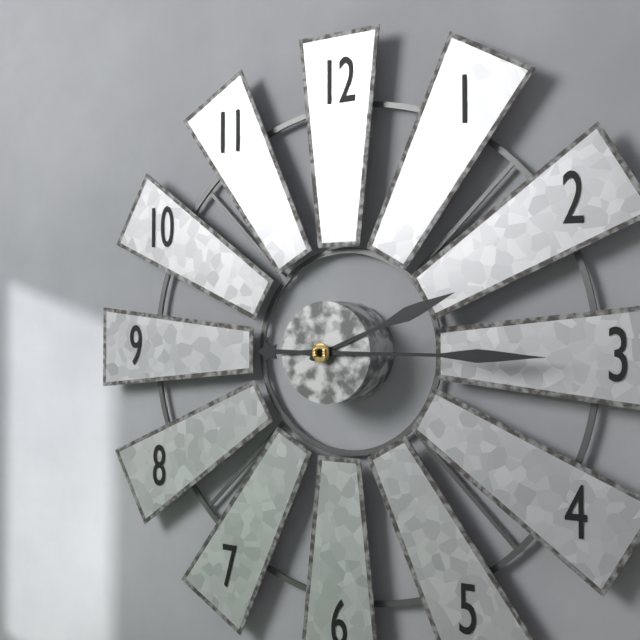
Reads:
h=2 m=15
